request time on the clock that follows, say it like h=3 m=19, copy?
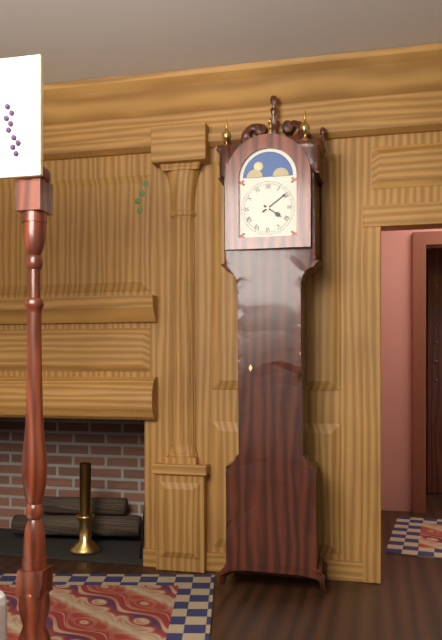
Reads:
h=4 m=9
